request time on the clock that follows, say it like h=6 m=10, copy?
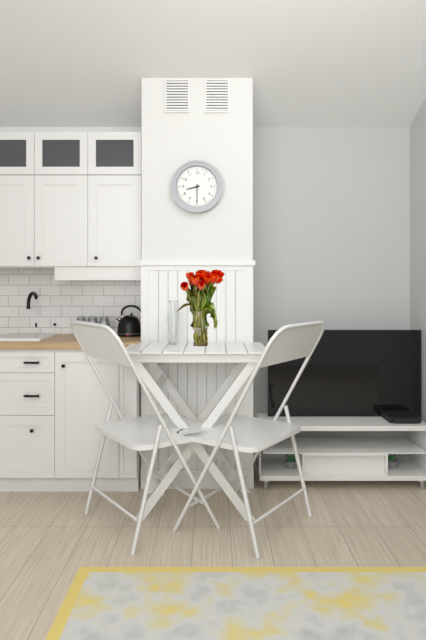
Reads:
h=8 m=30
